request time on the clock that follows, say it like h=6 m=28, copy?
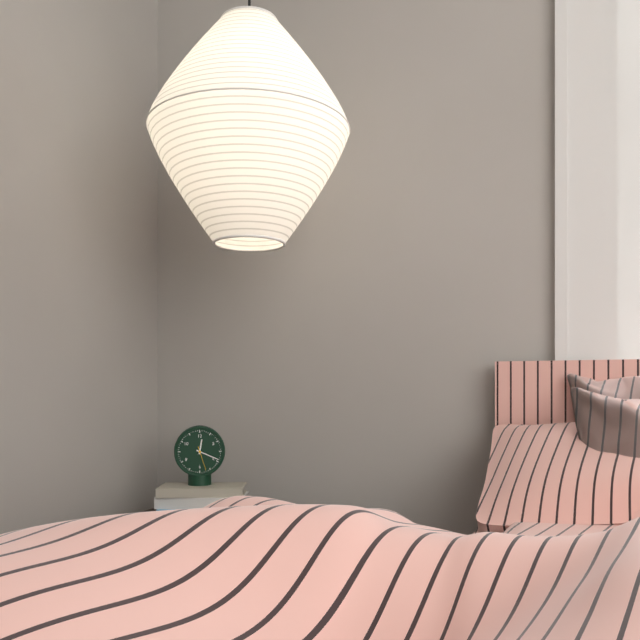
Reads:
h=12 m=19
